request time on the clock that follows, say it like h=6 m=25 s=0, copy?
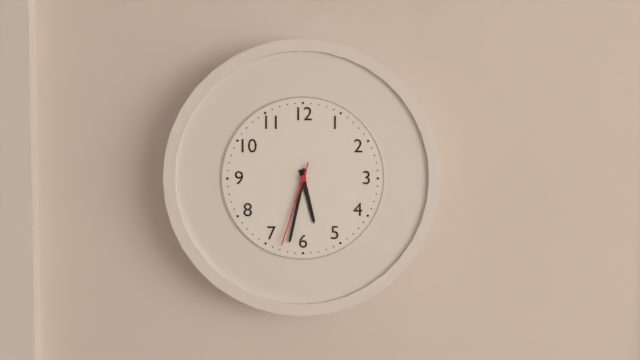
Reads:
h=5 m=32 s=33
